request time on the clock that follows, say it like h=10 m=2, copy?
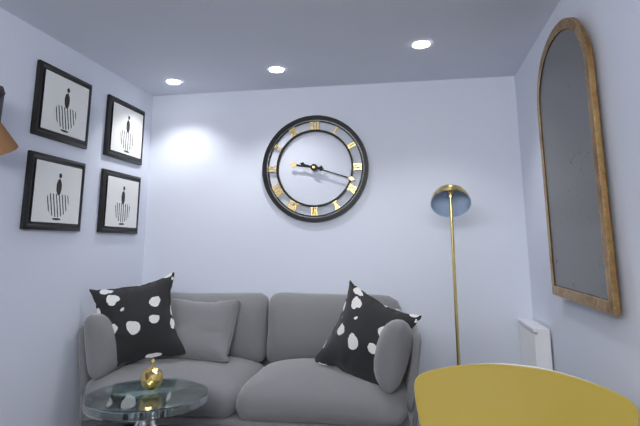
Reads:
h=9 m=18
